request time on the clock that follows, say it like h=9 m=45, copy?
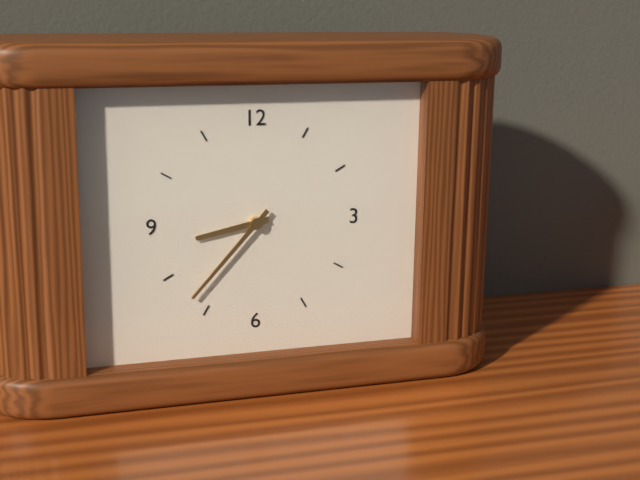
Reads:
h=8 m=37
